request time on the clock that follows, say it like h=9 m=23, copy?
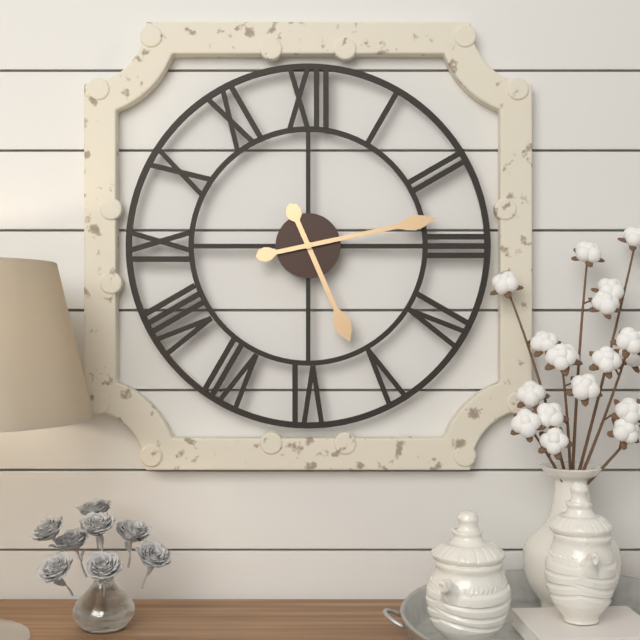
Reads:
h=5 m=13
